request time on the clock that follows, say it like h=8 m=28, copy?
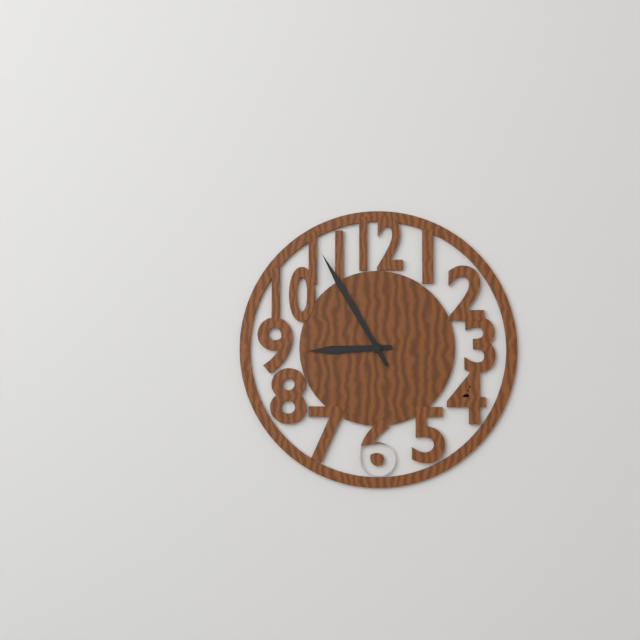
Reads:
h=8 m=55
